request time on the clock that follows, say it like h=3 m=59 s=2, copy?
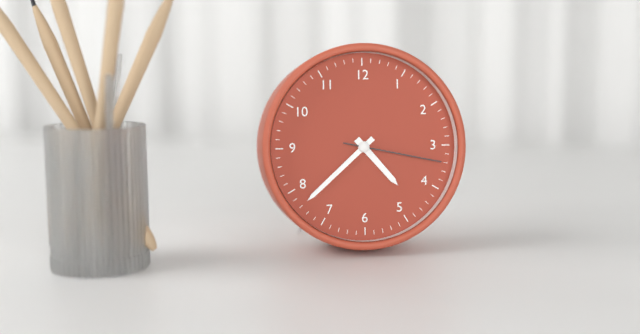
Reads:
h=4 m=38 s=17
